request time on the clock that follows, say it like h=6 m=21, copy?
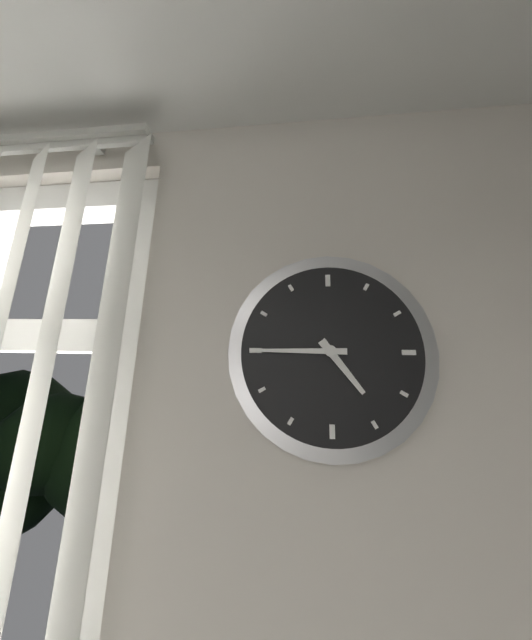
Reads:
h=4 m=45
